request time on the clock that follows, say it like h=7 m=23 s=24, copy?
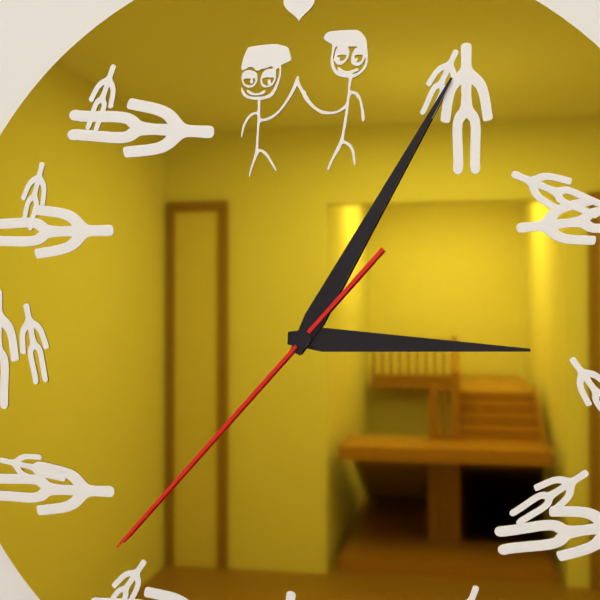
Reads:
h=3 m=5 s=37
